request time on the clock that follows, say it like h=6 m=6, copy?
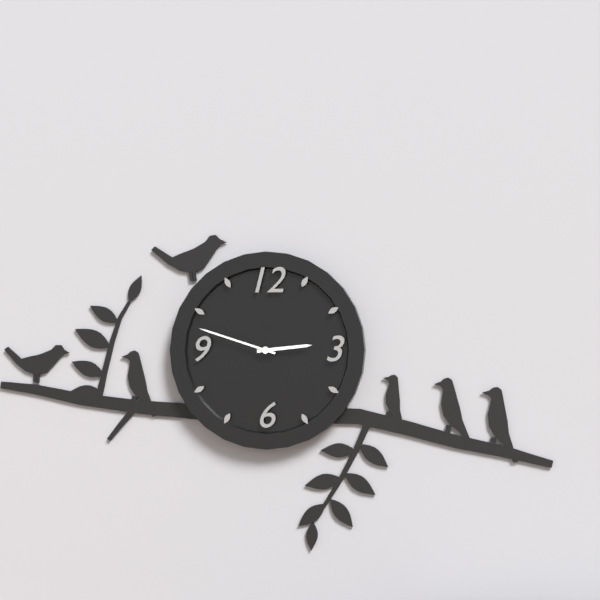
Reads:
h=2 m=48
